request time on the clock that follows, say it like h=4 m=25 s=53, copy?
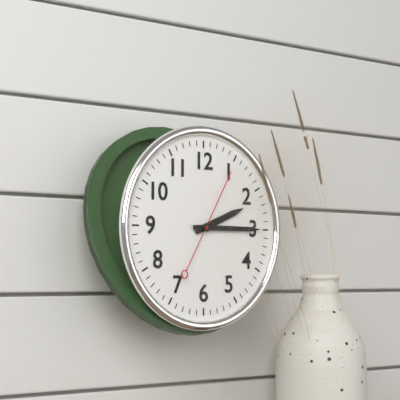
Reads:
h=2 m=15 s=5
